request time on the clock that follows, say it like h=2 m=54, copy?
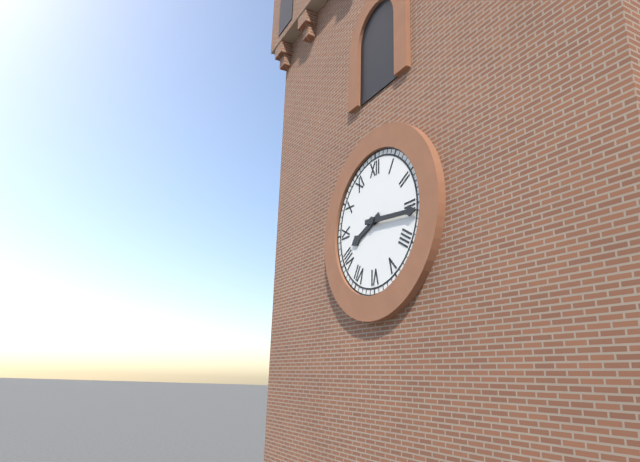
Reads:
h=8 m=16
